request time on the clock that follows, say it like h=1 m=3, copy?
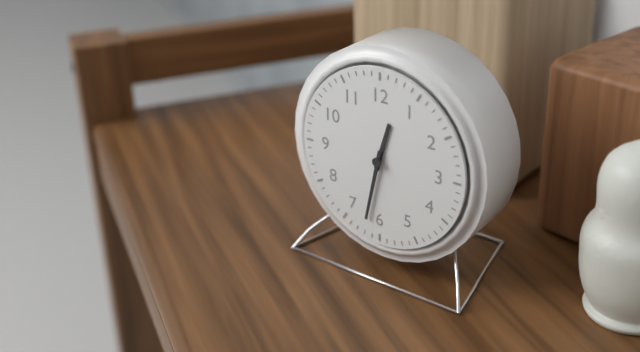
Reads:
h=12 m=32
